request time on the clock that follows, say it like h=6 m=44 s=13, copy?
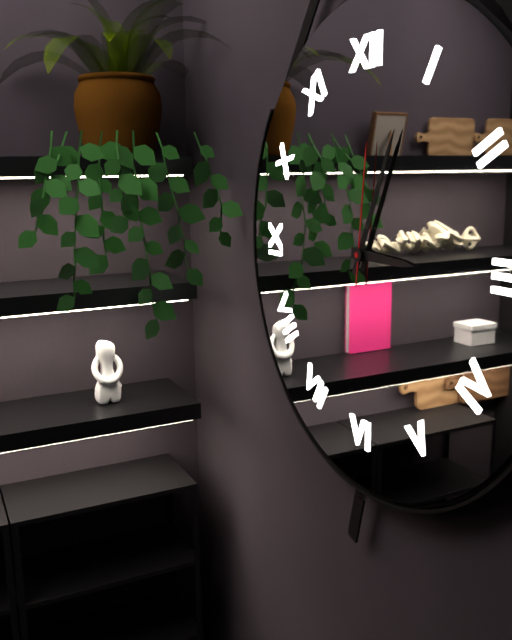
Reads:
h=3 m=4 s=1
